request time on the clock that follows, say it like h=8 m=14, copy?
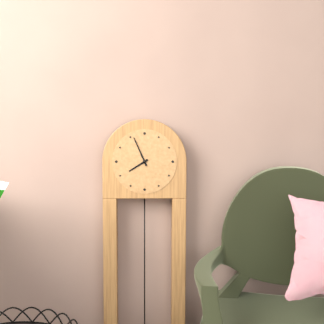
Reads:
h=7 m=56
